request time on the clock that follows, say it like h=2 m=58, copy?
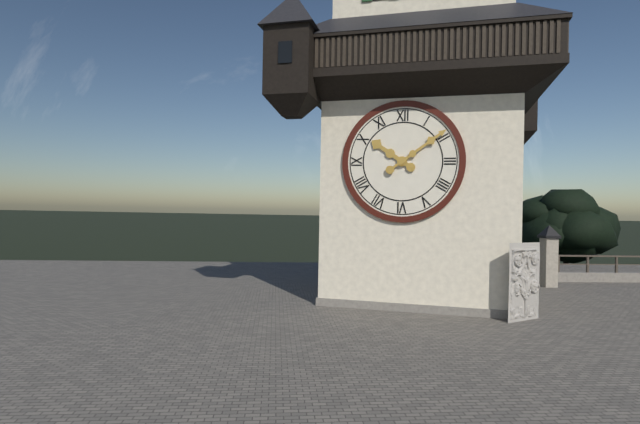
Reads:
h=10 m=9
